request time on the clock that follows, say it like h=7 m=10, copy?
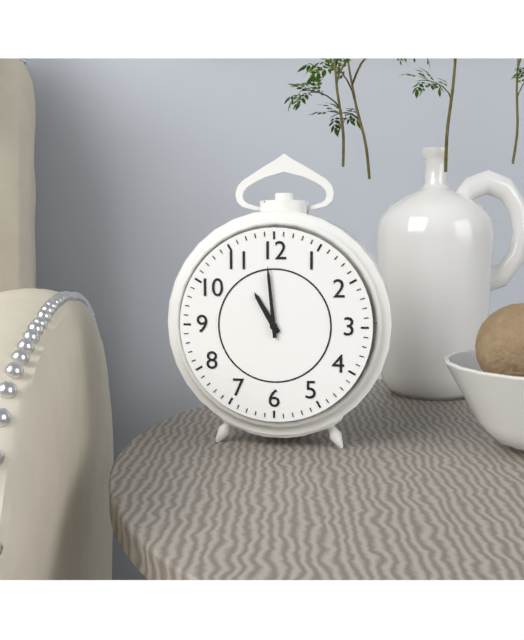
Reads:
h=10 m=59
